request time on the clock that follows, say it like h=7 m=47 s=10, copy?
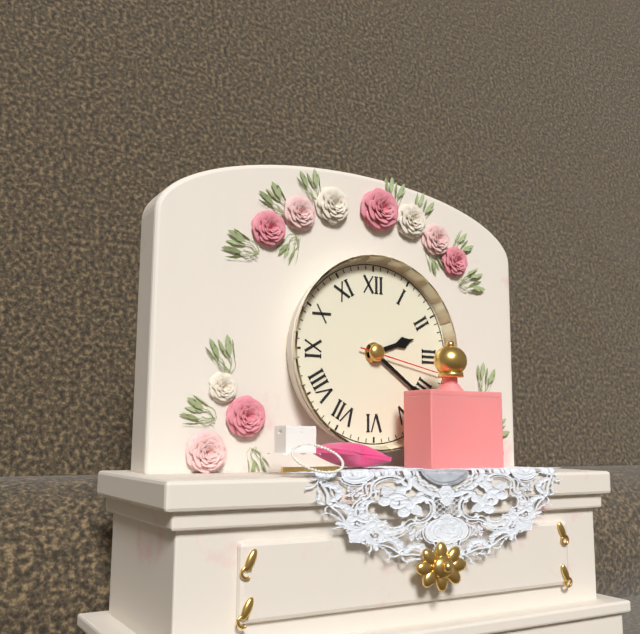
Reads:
h=2 m=21 s=17
